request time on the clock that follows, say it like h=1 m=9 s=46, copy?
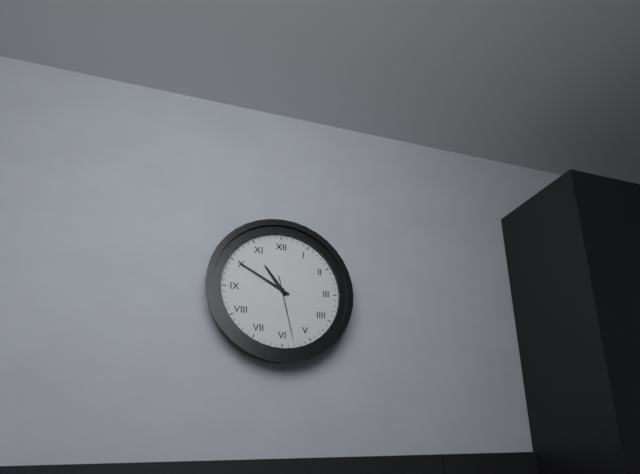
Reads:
h=10 m=50 s=28
